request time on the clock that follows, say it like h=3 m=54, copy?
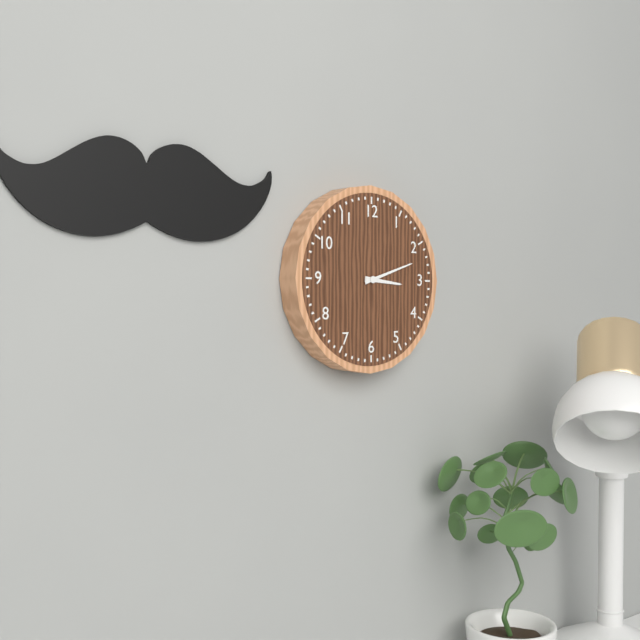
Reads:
h=3 m=12
